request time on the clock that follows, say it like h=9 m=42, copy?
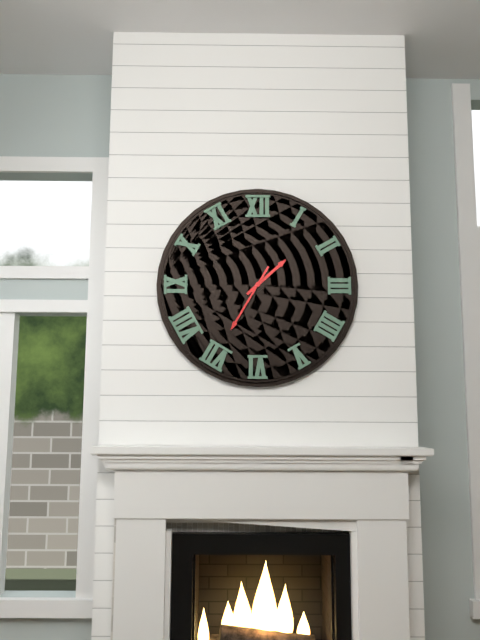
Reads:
h=1 m=35
